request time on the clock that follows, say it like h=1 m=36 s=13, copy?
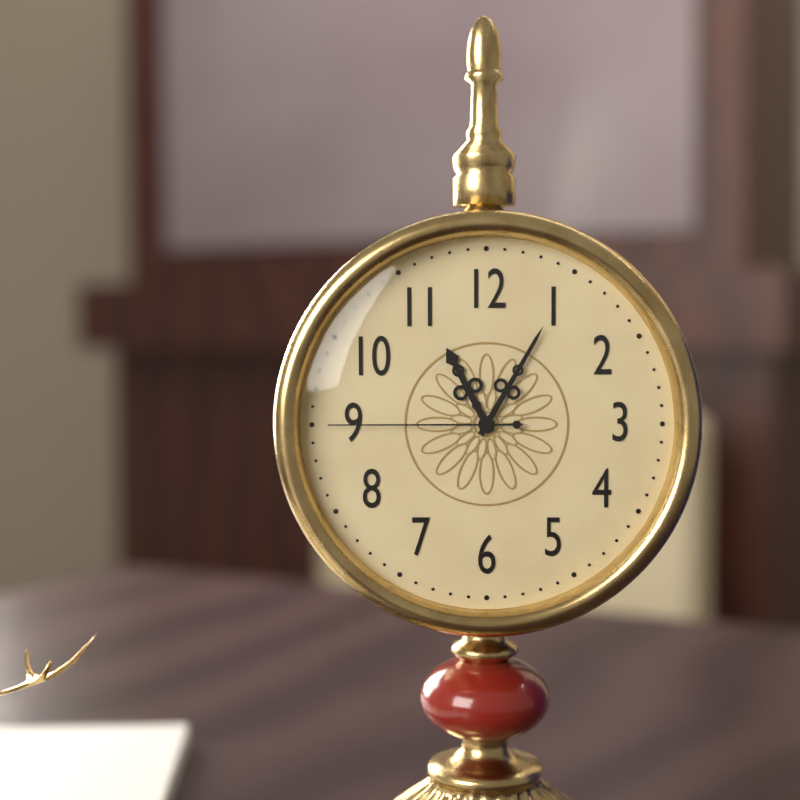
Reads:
h=11 m=5 s=45
